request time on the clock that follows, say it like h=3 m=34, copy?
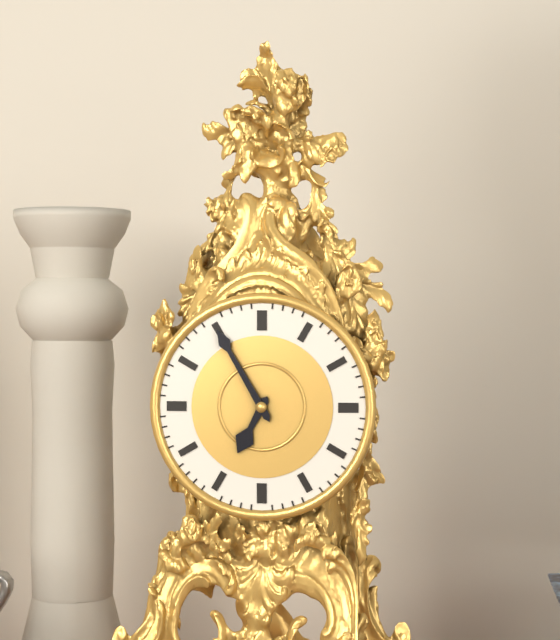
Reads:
h=6 m=55
